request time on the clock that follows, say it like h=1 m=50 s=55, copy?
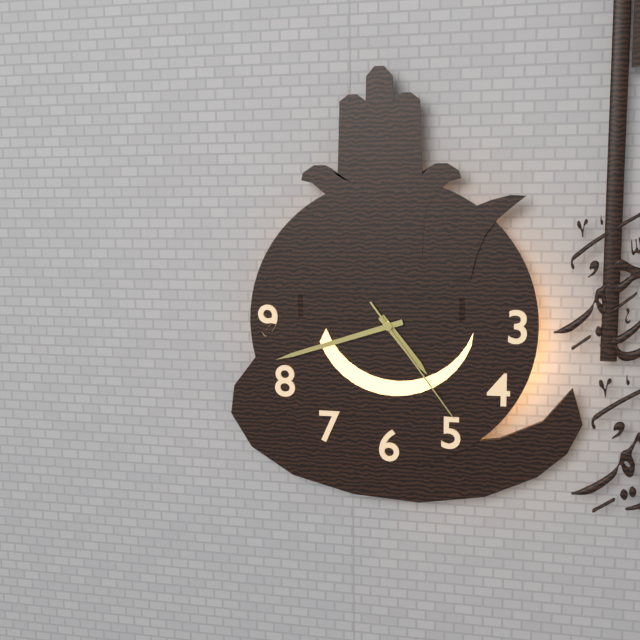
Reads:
h=4 m=42 s=24
